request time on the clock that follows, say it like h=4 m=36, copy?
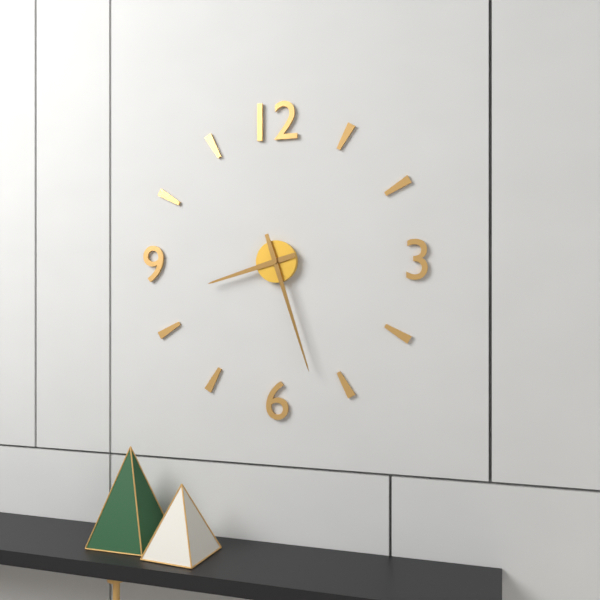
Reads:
h=8 m=27
